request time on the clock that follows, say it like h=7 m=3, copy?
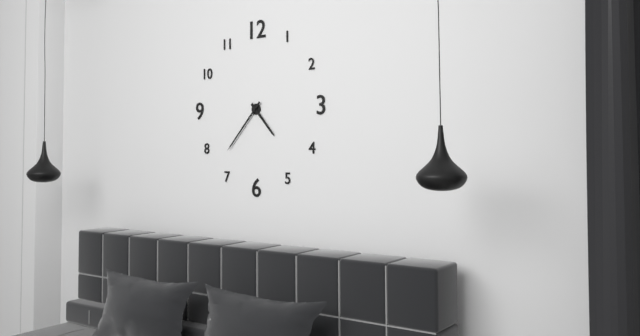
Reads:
h=4 m=37
